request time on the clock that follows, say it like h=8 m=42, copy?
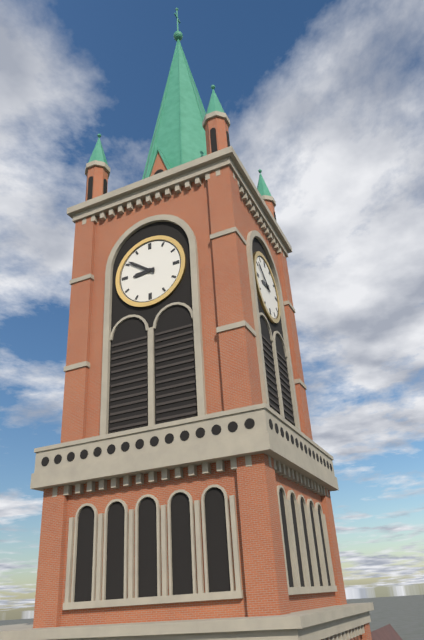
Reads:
h=8 m=51
